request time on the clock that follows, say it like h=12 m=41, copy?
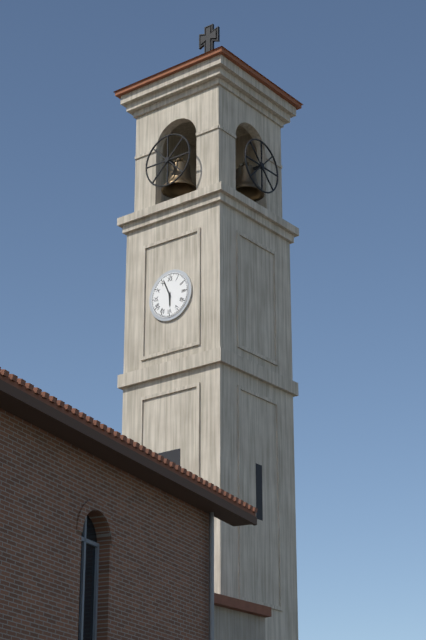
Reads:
h=5 m=56
